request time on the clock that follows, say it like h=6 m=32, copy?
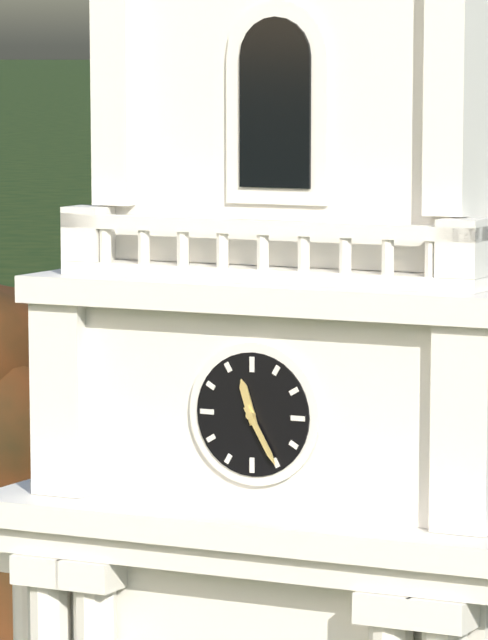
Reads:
h=11 m=25
